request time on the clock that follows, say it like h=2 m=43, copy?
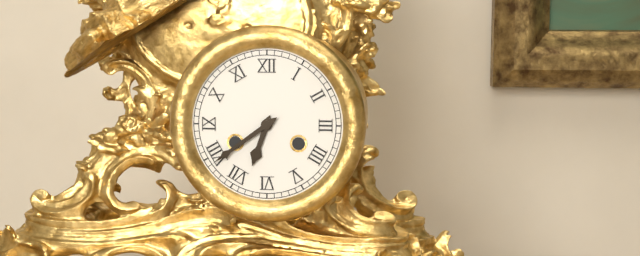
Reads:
h=6 m=39
